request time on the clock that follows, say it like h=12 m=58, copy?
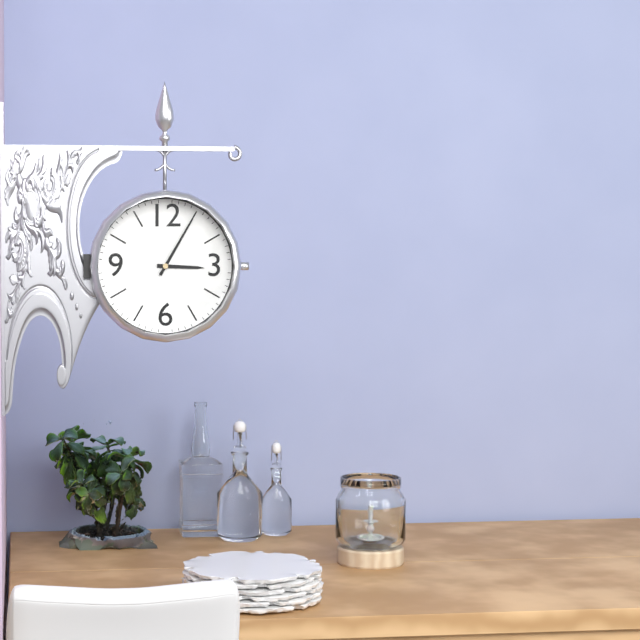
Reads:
h=3 m=5
